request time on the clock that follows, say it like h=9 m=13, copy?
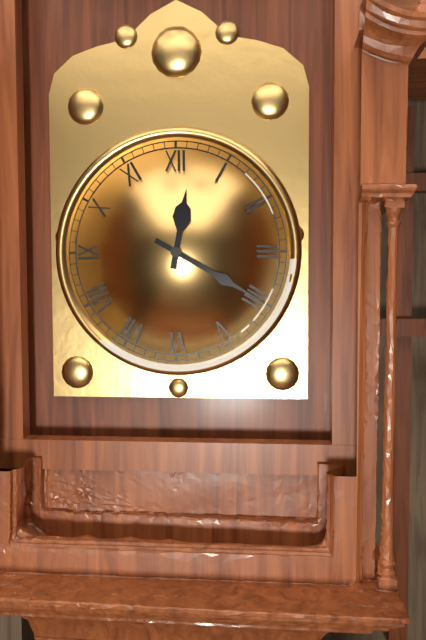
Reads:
h=12 m=20
